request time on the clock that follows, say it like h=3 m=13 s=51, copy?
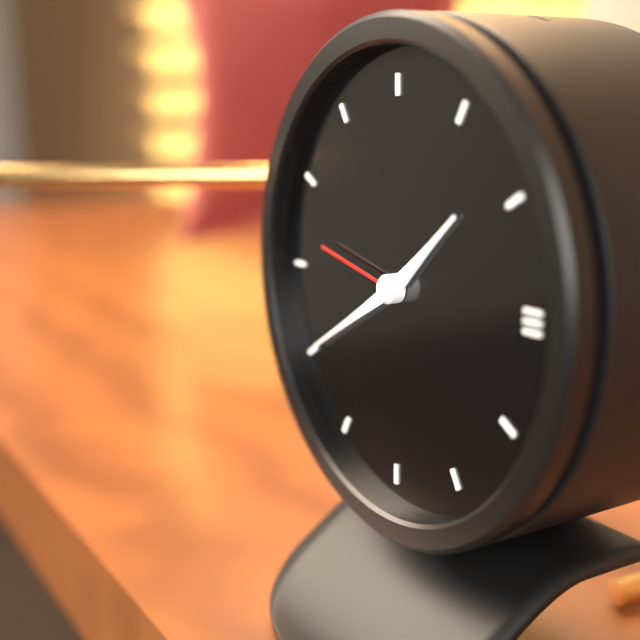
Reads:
h=1 m=40 s=47
